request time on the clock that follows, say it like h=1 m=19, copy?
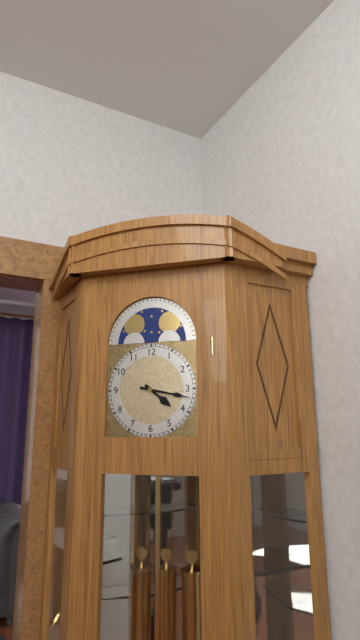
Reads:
h=4 m=17
